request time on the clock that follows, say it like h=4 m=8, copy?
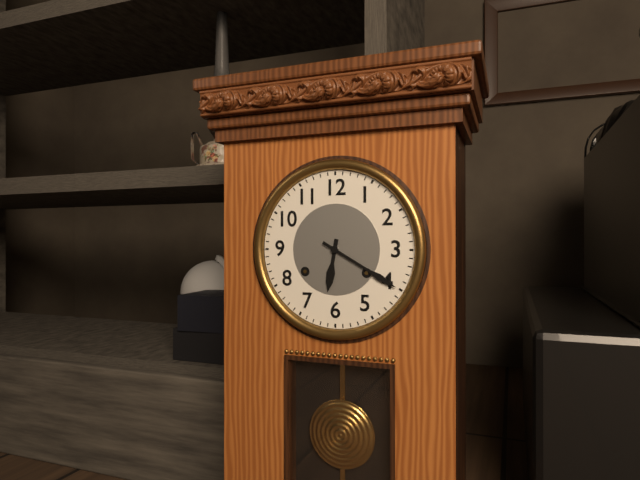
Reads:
h=6 m=20
